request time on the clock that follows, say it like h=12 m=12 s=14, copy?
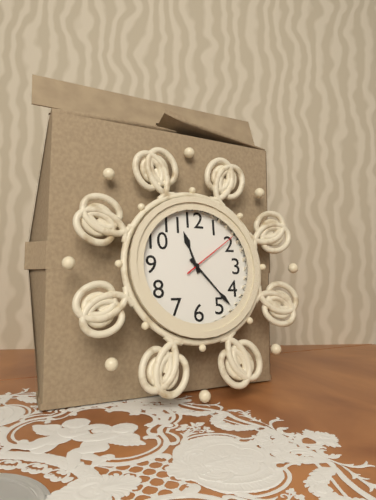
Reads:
h=11 m=23 s=9
